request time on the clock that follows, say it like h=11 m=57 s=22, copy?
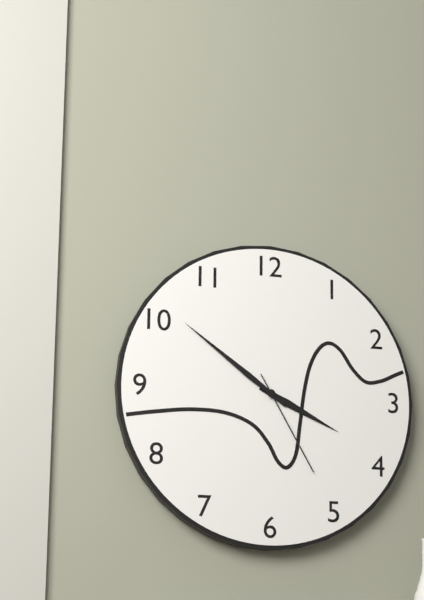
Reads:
h=3 m=51 s=25
